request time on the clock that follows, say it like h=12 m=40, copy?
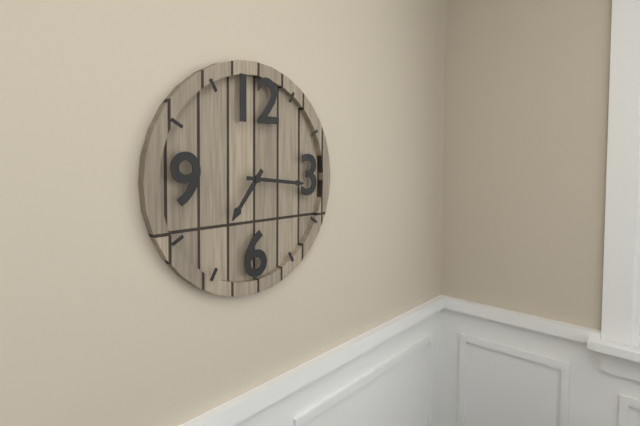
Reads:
h=7 m=16
